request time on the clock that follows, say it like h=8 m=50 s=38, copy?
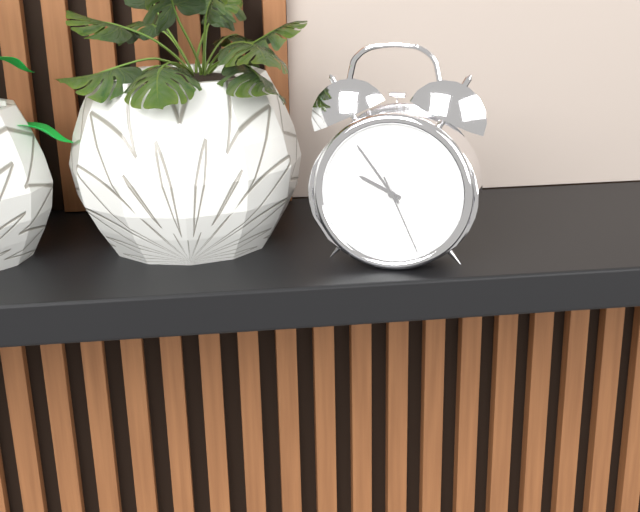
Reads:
h=9 m=54 s=26
